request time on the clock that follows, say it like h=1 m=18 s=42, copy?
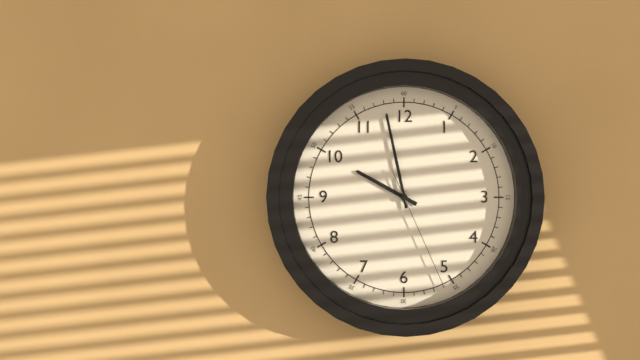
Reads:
h=9 m=58 s=26
